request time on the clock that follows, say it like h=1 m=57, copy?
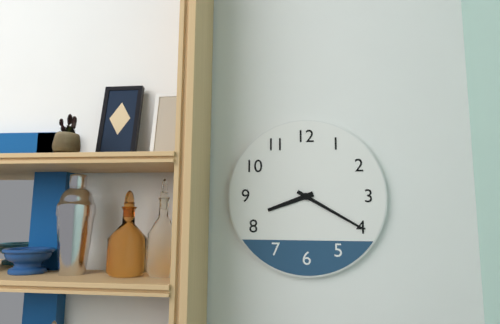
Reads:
h=8 m=20
